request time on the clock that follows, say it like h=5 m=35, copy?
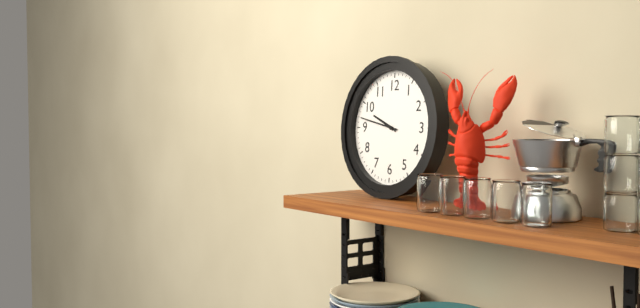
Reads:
h=9 m=47
